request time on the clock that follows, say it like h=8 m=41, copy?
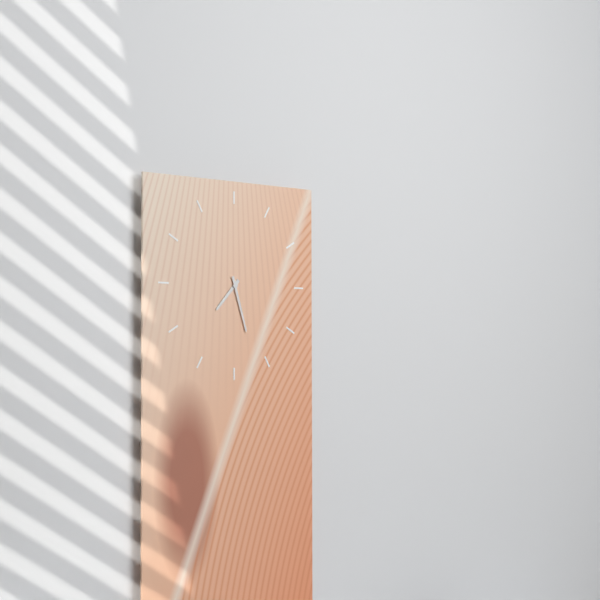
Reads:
h=7 m=27
